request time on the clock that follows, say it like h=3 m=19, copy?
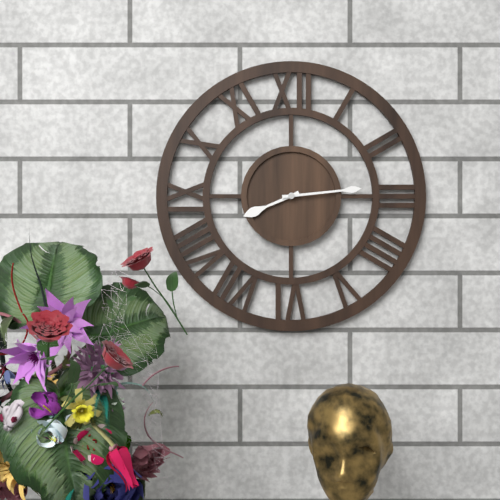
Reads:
h=8 m=14
